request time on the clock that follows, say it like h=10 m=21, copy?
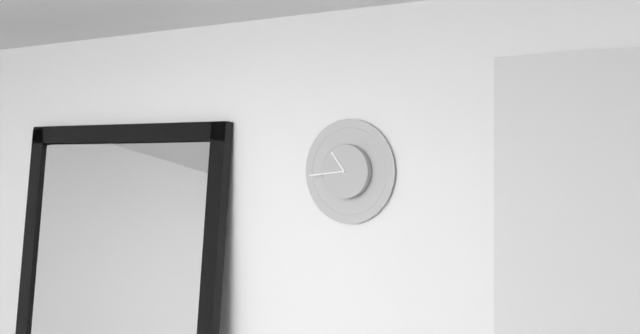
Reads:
h=10 m=44
